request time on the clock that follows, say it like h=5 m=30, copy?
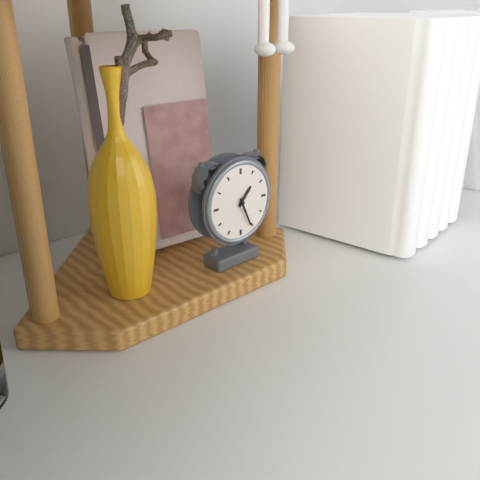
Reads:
h=1 m=26
